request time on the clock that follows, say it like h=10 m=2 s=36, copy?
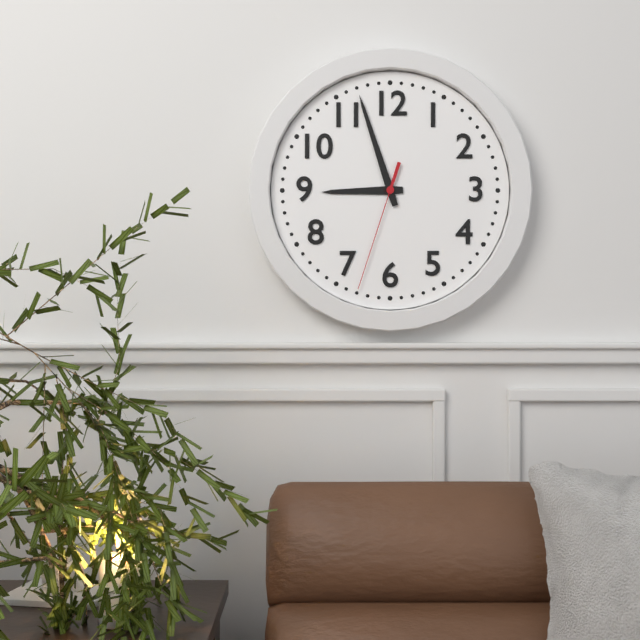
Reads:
h=8 m=57 s=33
